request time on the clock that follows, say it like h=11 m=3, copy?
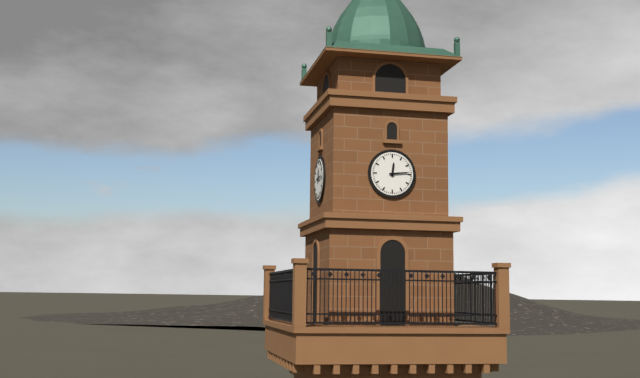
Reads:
h=12 m=14
